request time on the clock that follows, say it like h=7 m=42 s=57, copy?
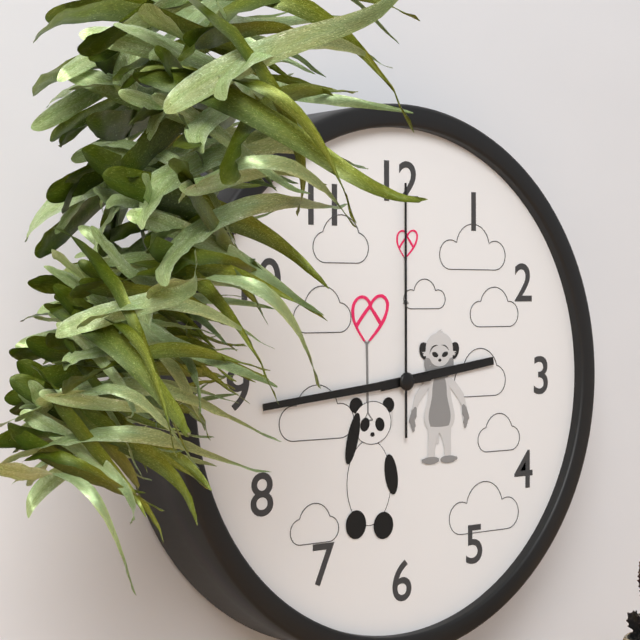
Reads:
h=2 m=44 s=0
